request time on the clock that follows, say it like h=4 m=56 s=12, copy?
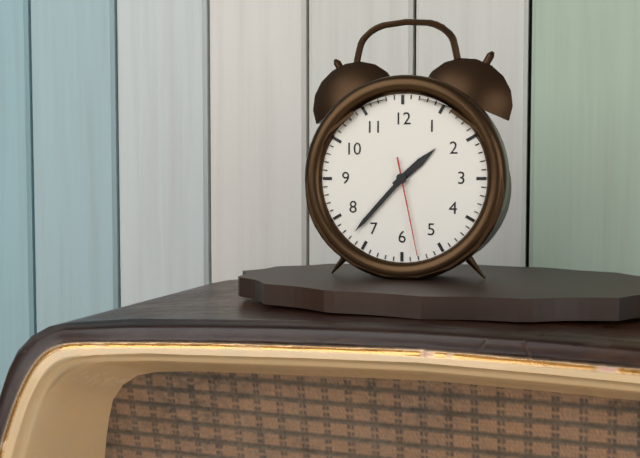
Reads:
h=1 m=37 s=28
